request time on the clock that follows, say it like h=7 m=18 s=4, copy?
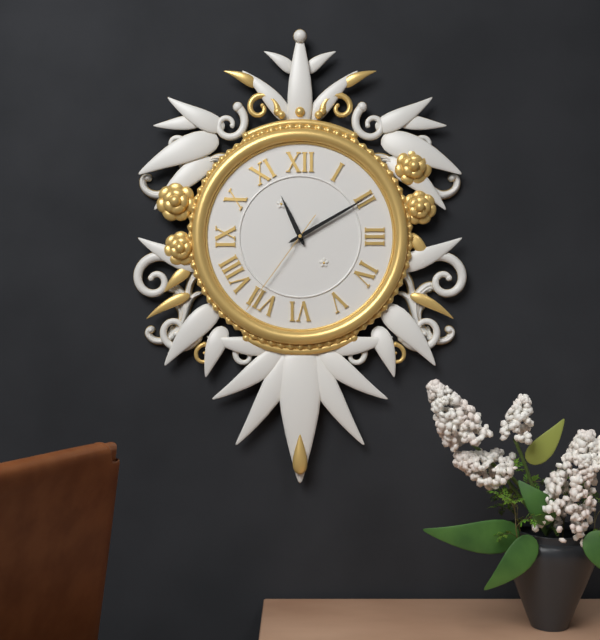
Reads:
h=11 m=10 s=36
